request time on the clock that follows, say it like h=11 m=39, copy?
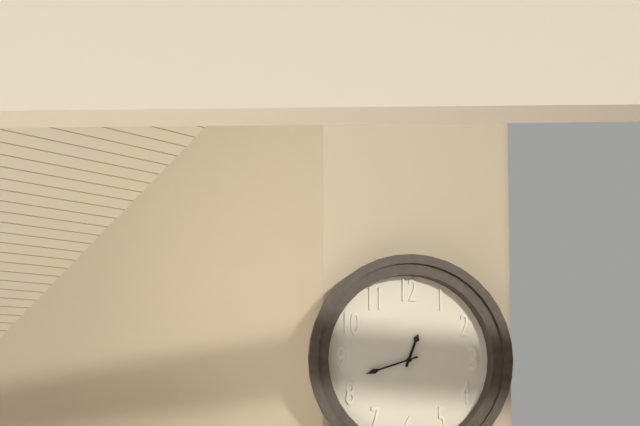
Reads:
h=12 m=42
